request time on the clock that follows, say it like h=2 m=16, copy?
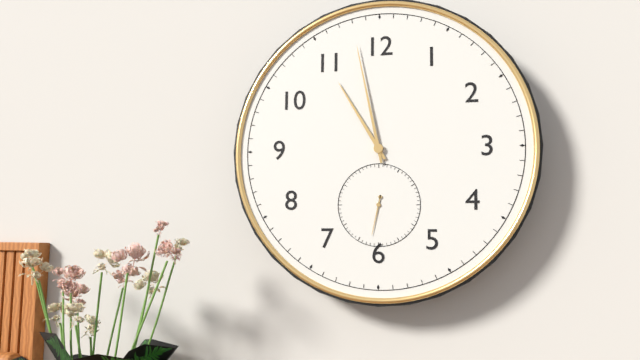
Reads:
h=10 m=58
